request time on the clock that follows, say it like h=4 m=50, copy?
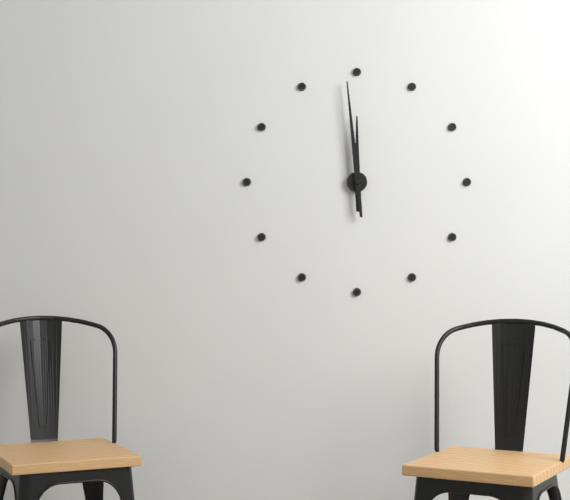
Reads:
h=11 m=59
